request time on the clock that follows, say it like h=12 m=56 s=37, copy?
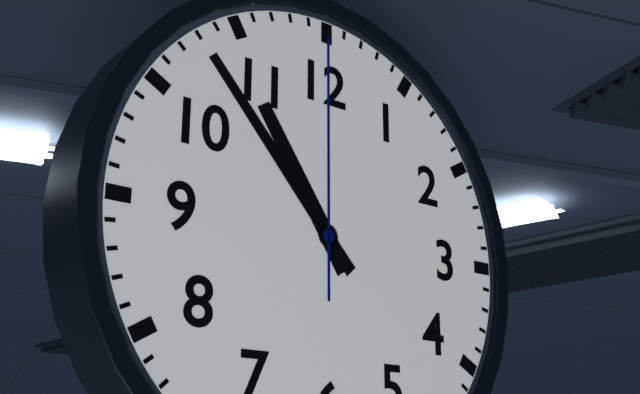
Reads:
h=10 m=53 s=0
